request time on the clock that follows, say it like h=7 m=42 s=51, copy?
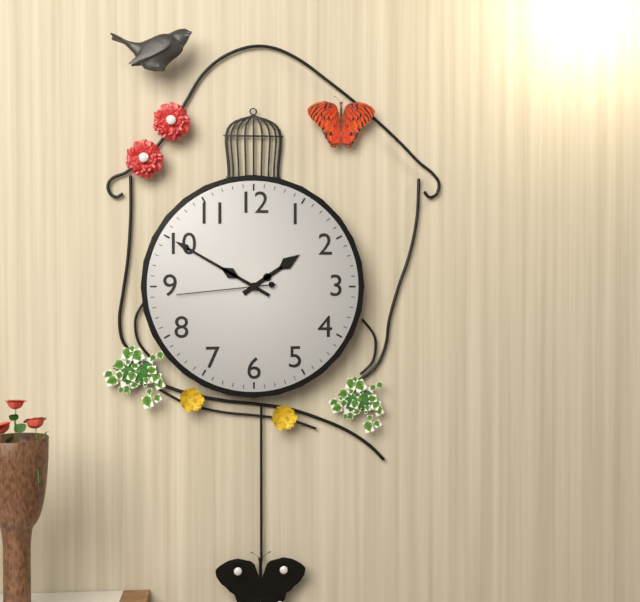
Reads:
h=1 m=50 s=44
